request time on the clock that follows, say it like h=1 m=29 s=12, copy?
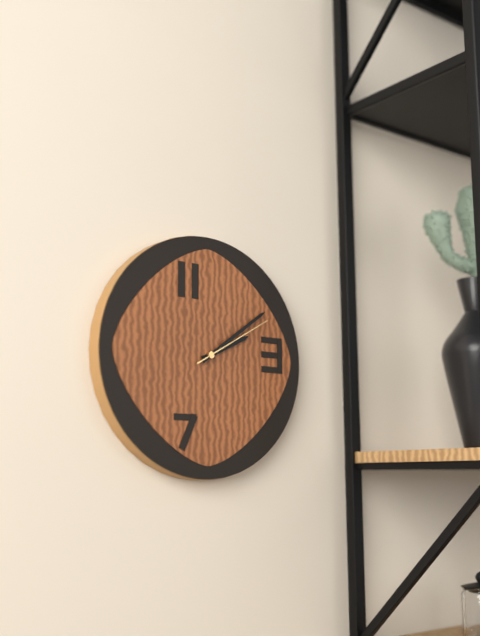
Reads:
h=2 m=9 s=10
